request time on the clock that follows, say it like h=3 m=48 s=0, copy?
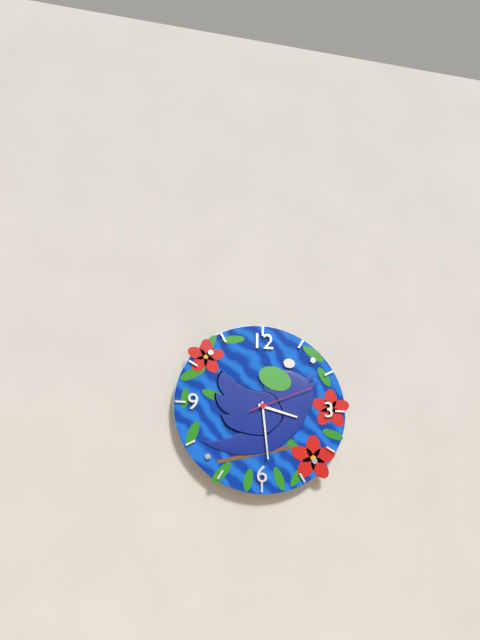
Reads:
h=3 m=29 s=11
